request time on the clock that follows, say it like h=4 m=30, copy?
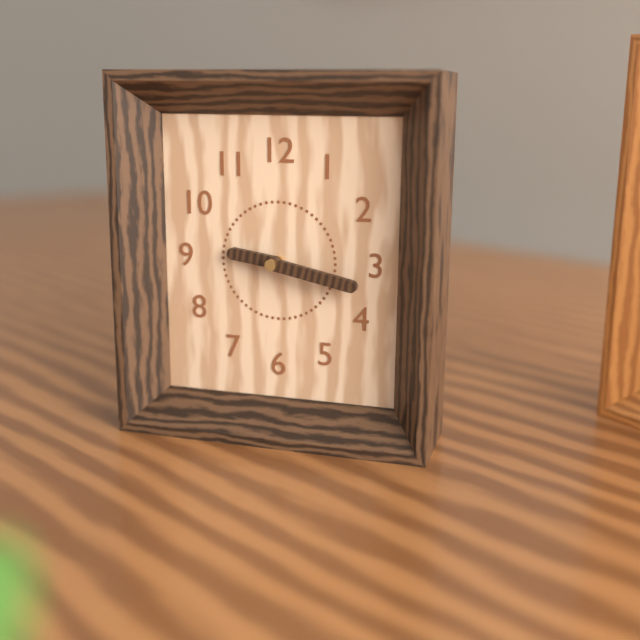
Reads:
h=9 m=17
